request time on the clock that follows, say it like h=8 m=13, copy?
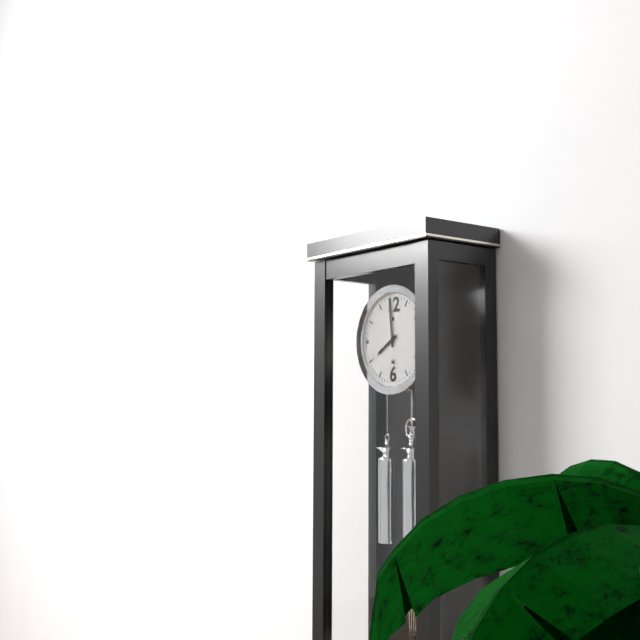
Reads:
h=7 m=59
